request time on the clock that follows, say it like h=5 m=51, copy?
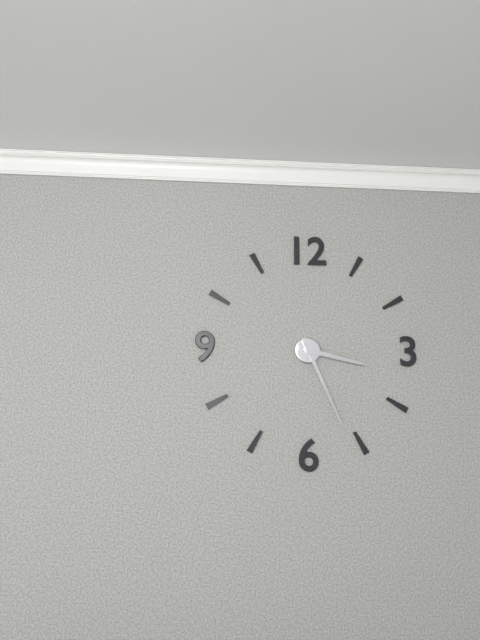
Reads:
h=3 m=26
